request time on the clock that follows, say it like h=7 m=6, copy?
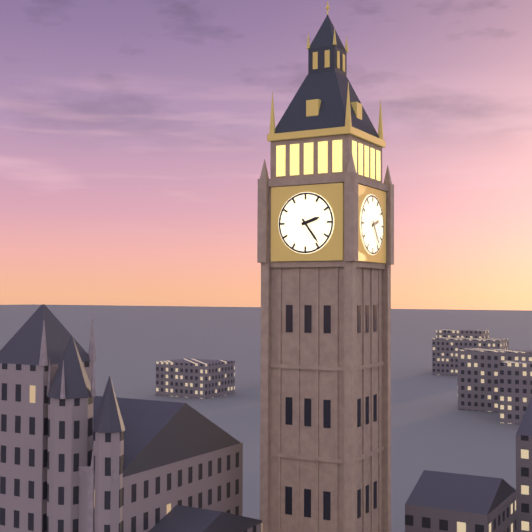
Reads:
h=2 m=24
